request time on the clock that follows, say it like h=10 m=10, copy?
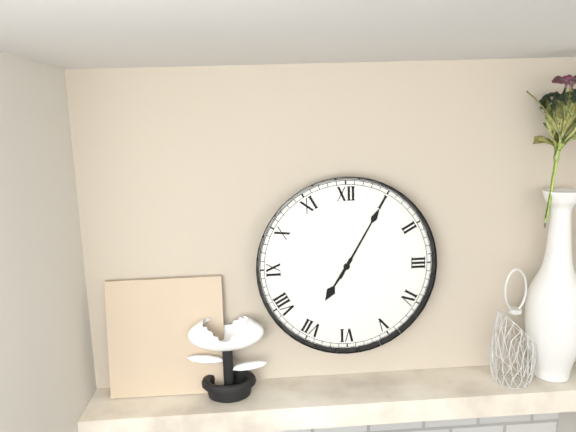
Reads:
h=7 m=5
